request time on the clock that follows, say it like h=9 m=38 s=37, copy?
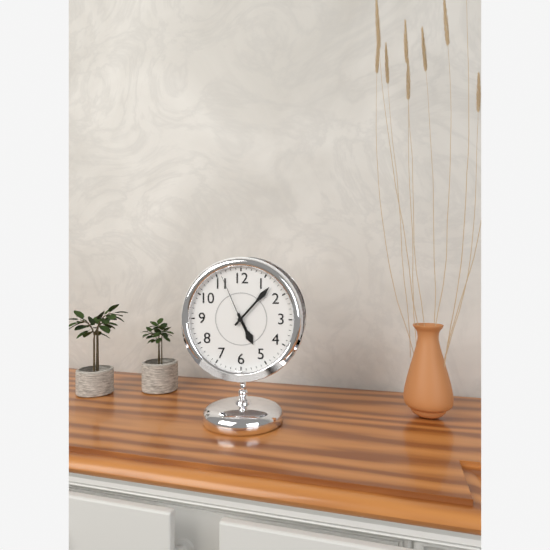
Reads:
h=5 m=7 s=56
